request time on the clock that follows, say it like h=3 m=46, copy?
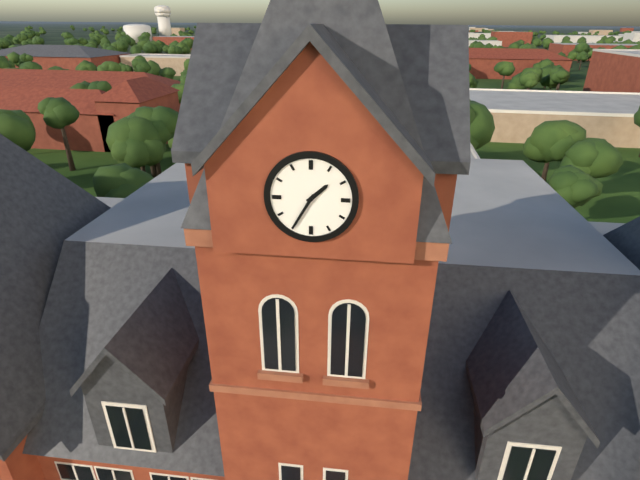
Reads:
h=1 m=35
